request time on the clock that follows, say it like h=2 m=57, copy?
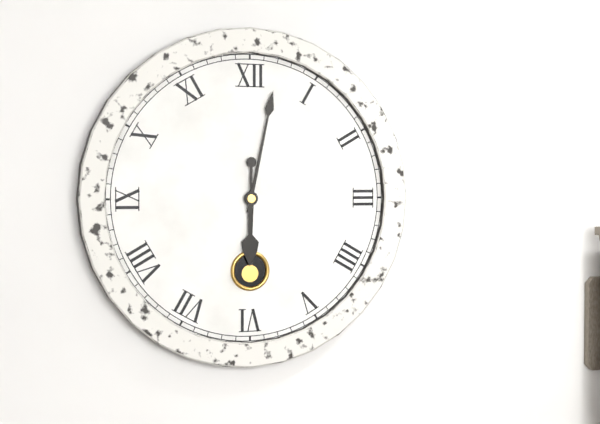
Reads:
h=6 m=2
